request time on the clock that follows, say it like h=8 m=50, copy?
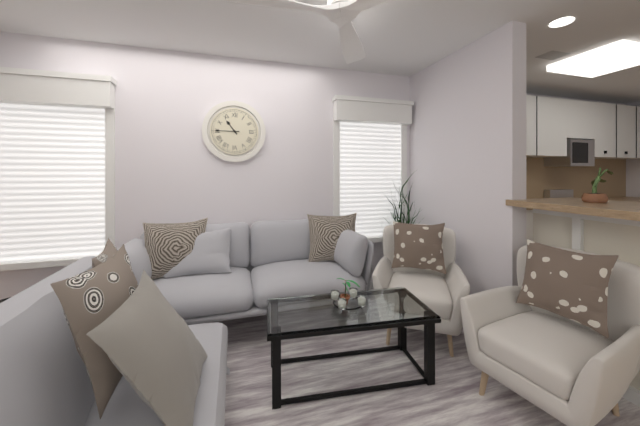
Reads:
h=10 m=45
